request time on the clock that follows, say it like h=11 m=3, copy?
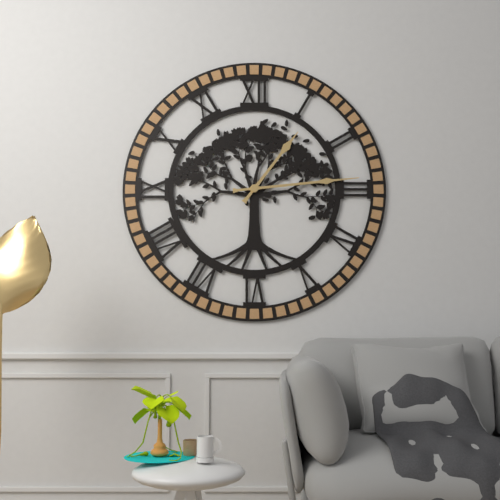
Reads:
h=1 m=14
